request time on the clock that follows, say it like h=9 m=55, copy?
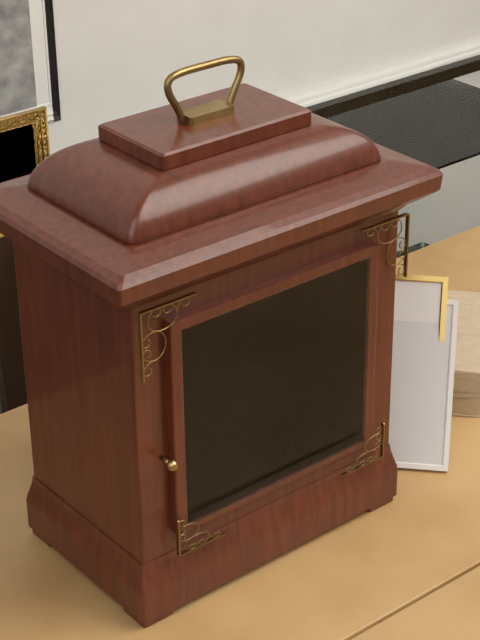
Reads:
h=1 m=41
